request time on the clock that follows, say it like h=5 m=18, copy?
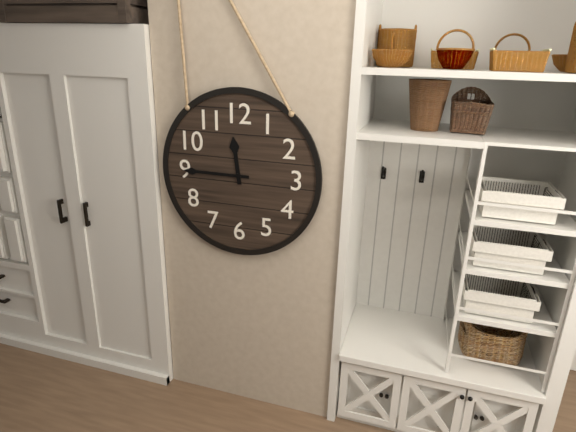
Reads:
h=11 m=45
